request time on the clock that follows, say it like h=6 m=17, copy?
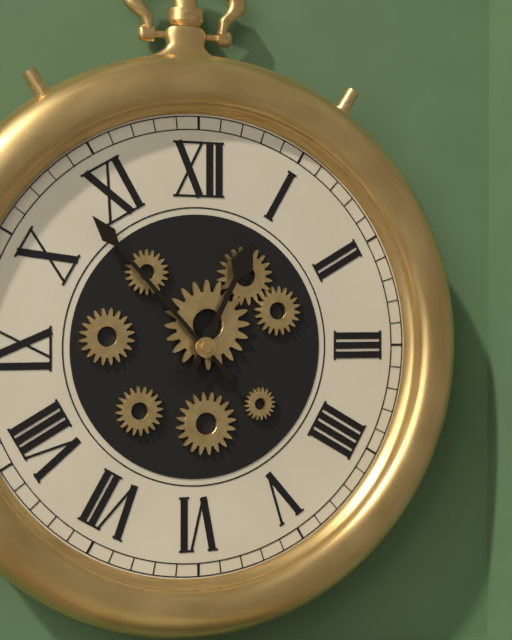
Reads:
h=12 m=53
